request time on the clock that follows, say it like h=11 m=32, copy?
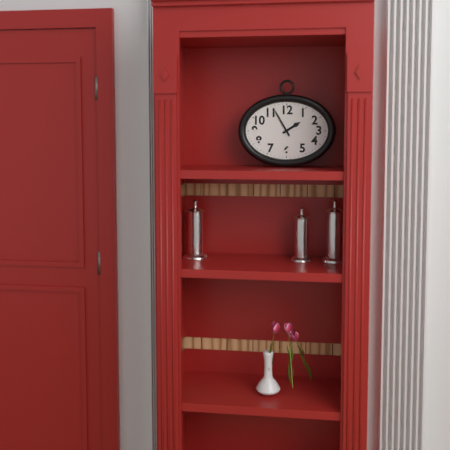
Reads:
h=1 m=55
